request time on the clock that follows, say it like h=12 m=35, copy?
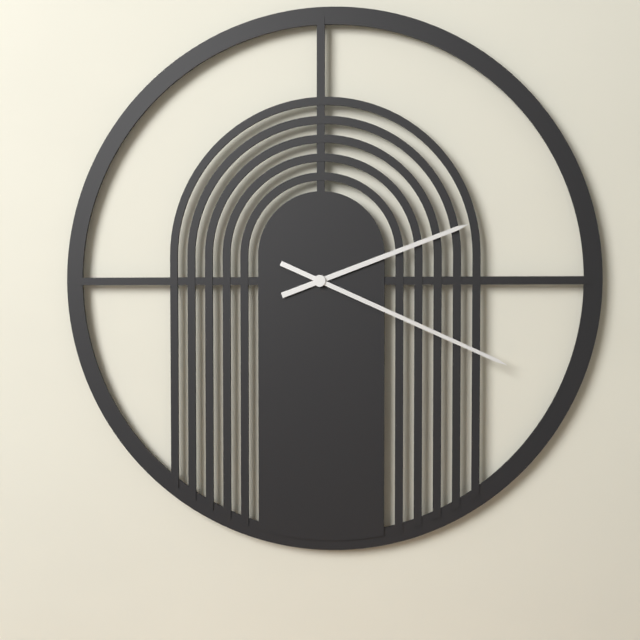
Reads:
h=2 m=19
